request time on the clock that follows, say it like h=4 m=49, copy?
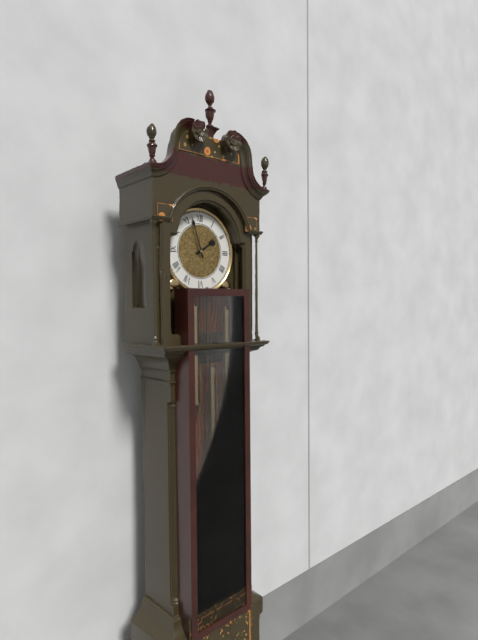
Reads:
h=1 m=57
